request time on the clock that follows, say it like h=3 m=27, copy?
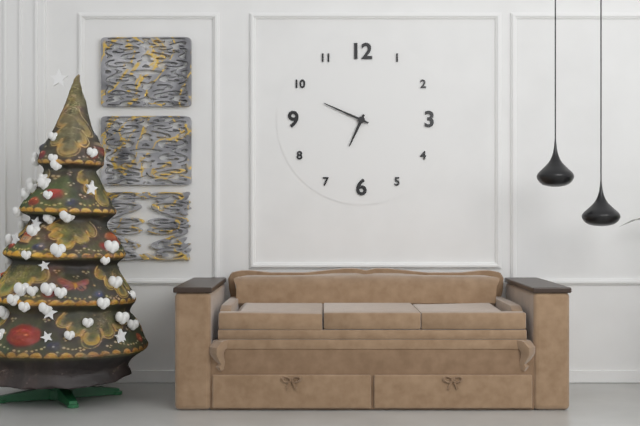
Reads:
h=6 m=49
